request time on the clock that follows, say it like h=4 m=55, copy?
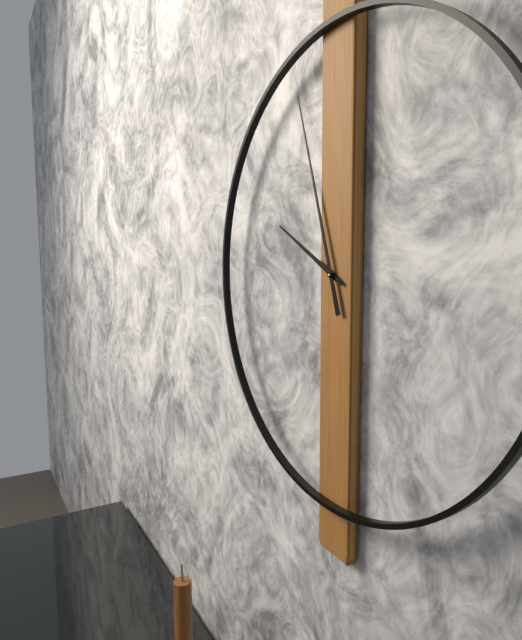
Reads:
h=9 m=57
